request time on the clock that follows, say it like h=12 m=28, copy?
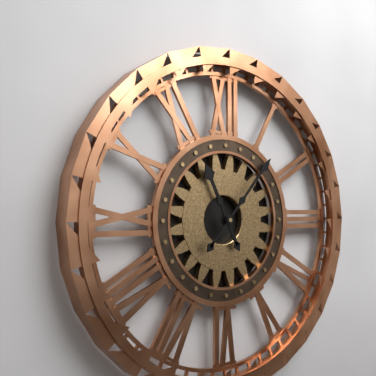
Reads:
h=11 m=7
